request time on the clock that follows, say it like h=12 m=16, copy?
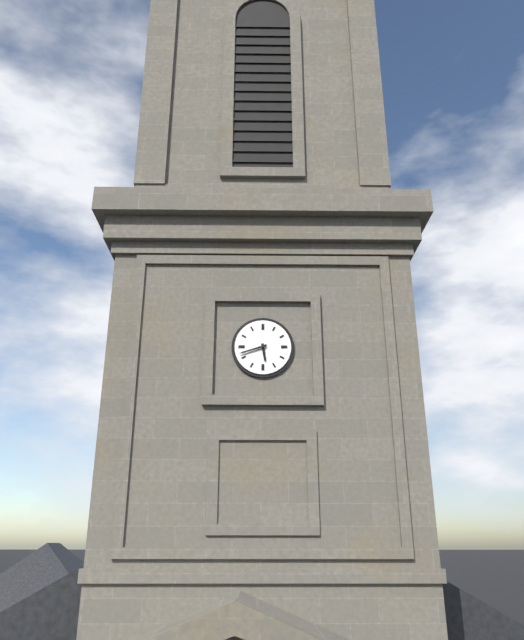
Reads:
h=5 m=42
